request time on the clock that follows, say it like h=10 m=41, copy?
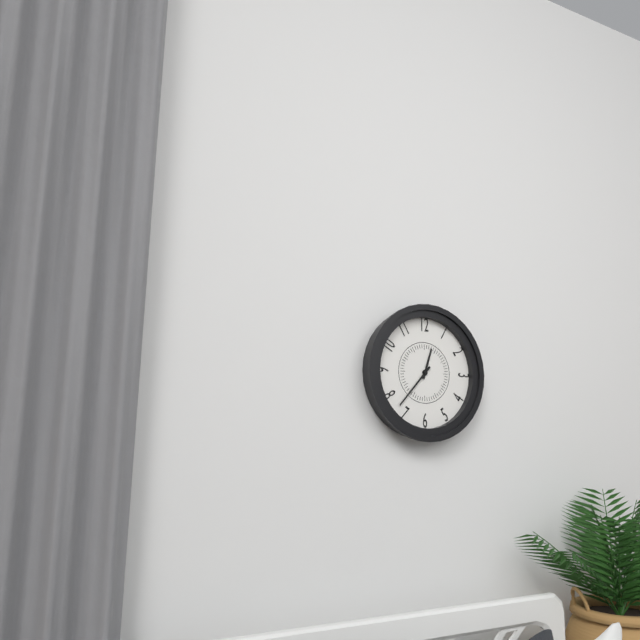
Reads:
h=12 m=37
